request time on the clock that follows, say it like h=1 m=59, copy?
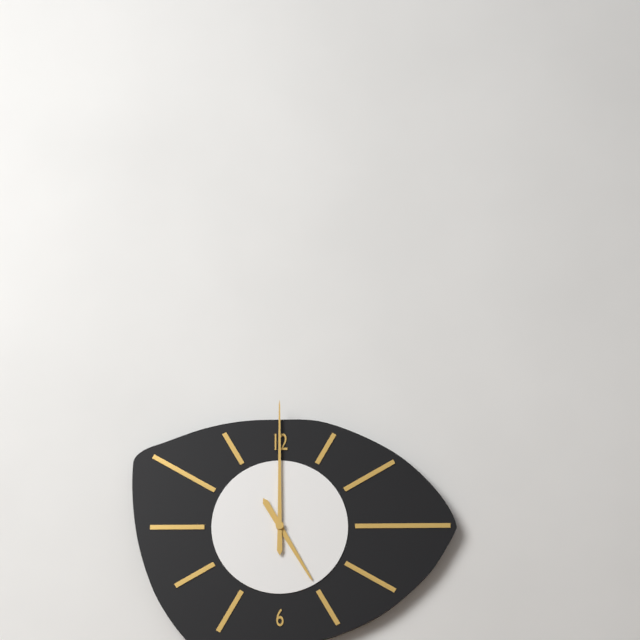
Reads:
h=5 m=0
